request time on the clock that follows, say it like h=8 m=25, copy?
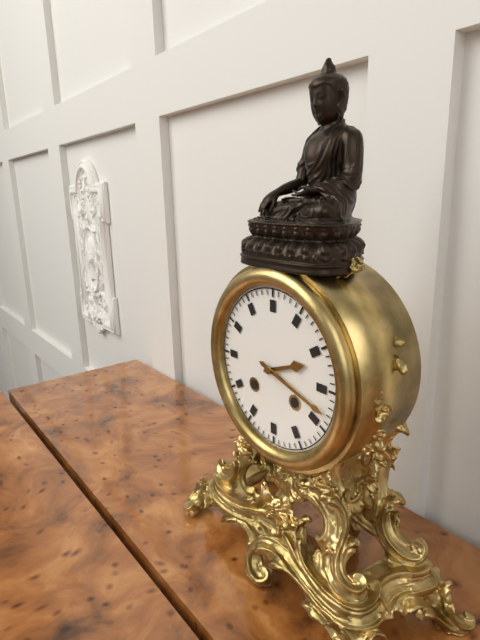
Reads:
h=2 m=18
